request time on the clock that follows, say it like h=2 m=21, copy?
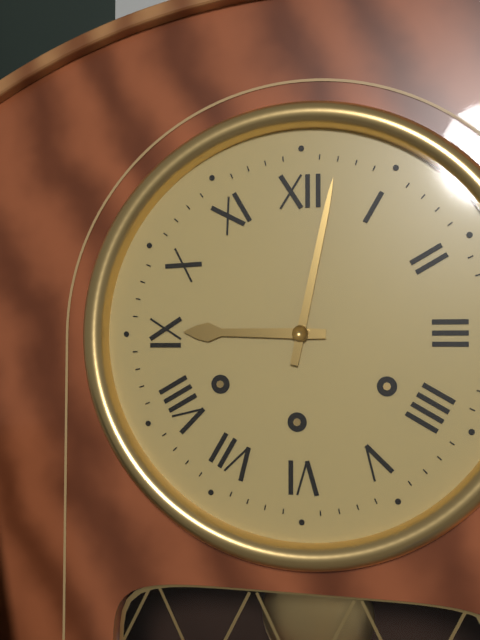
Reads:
h=9 m=2
